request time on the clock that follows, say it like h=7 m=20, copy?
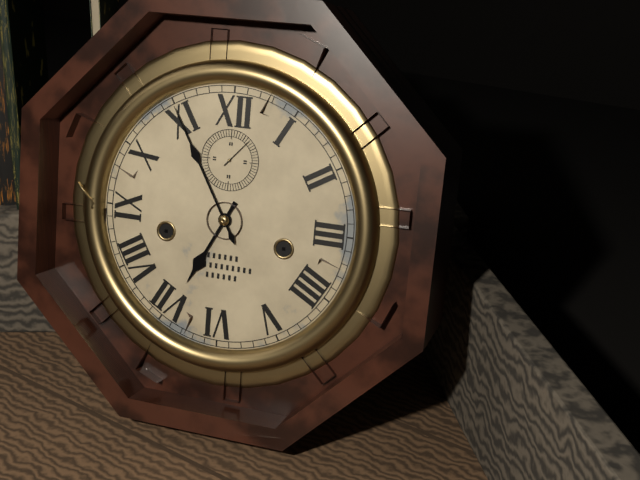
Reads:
h=6 m=55
